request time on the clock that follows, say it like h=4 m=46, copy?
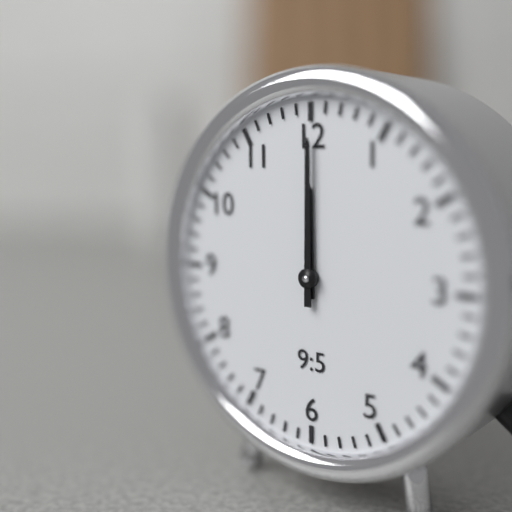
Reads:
h=12 m=0
